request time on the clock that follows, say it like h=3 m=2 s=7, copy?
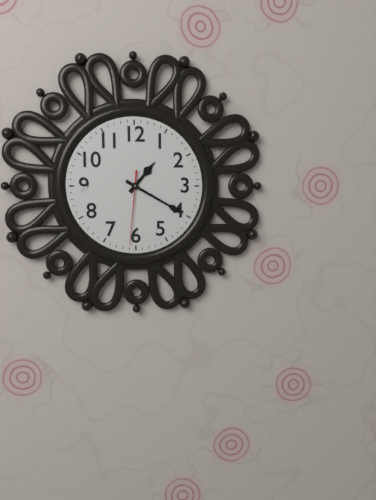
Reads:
h=1 m=20 s=31
